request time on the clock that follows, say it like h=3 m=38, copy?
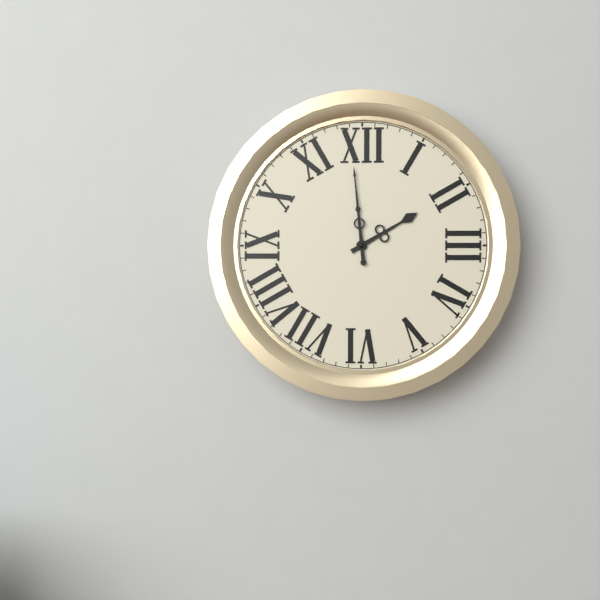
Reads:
h=1 m=59
